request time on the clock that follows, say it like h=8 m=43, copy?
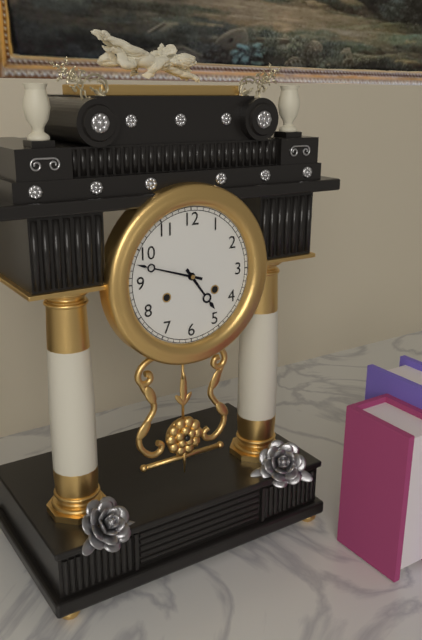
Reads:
h=4 m=48
